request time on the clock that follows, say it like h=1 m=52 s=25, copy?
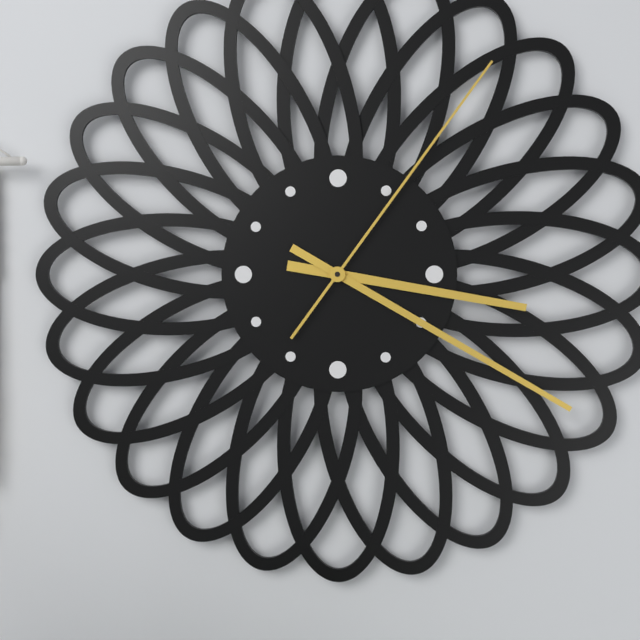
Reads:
h=3 m=20 s=6
